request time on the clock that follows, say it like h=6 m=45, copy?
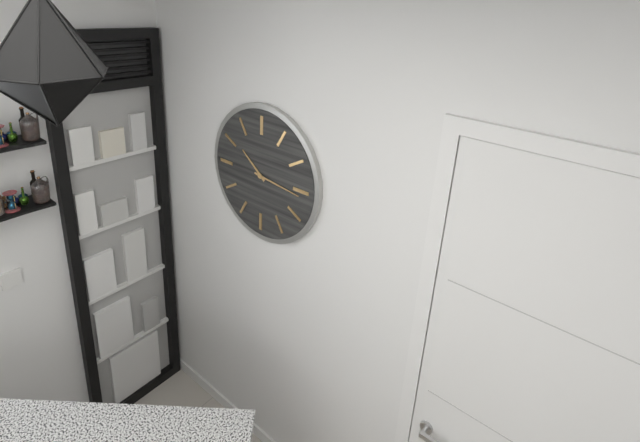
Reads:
h=10 m=16
